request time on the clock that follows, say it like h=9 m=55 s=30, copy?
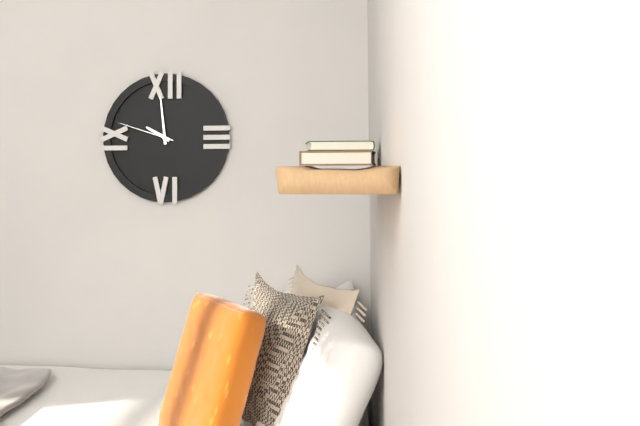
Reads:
h=9 m=59 s=48
